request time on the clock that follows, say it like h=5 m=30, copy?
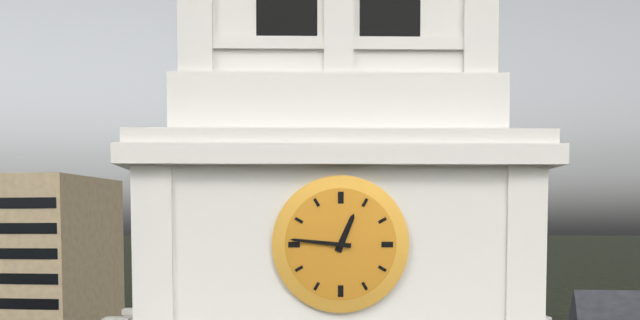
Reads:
h=12 m=46
